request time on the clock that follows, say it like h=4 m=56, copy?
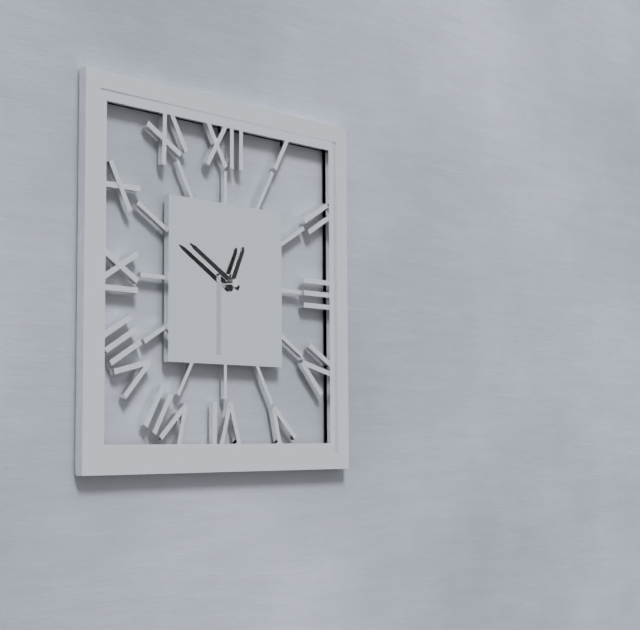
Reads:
h=12 m=50
